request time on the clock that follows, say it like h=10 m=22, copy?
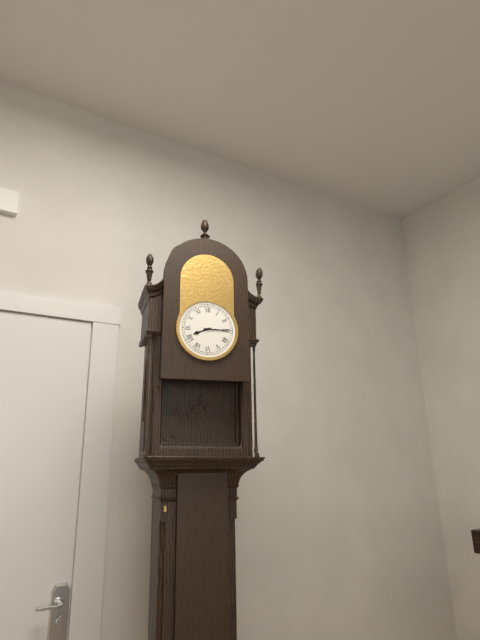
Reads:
h=8 m=15
